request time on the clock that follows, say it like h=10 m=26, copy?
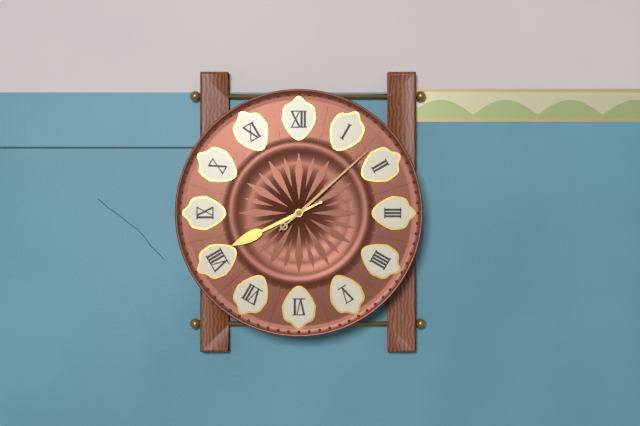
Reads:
h=8 m=8
